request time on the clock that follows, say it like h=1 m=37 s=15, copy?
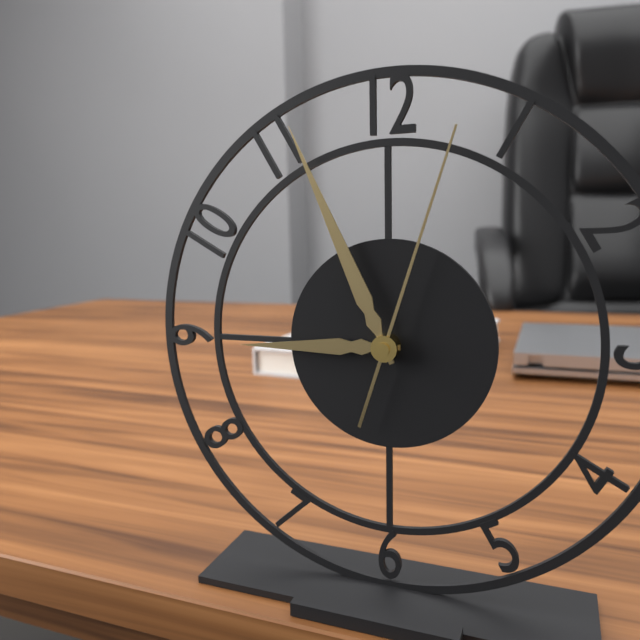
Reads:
h=8 m=56 s=3
